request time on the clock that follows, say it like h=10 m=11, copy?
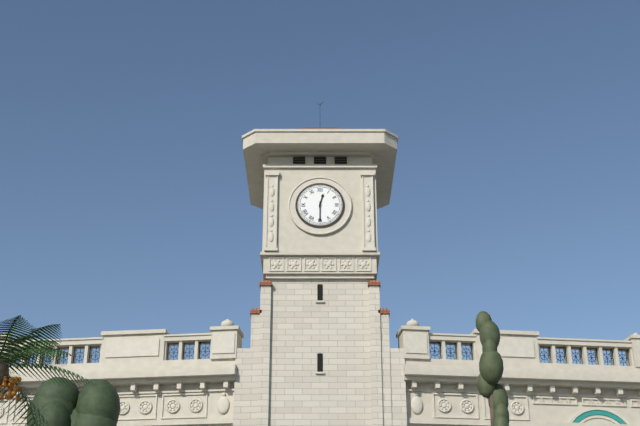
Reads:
h=12 m=30
